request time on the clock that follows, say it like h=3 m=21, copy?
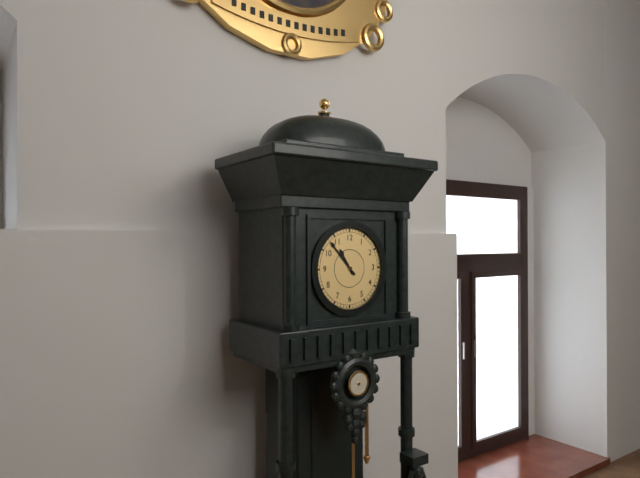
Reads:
h=10 m=53
